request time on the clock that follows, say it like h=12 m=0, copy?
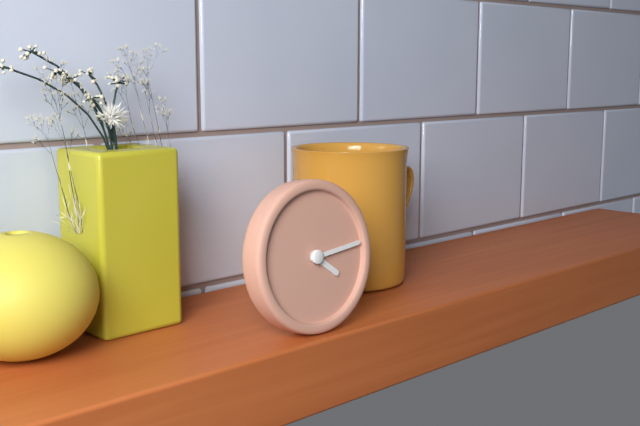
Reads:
h=4 m=14
